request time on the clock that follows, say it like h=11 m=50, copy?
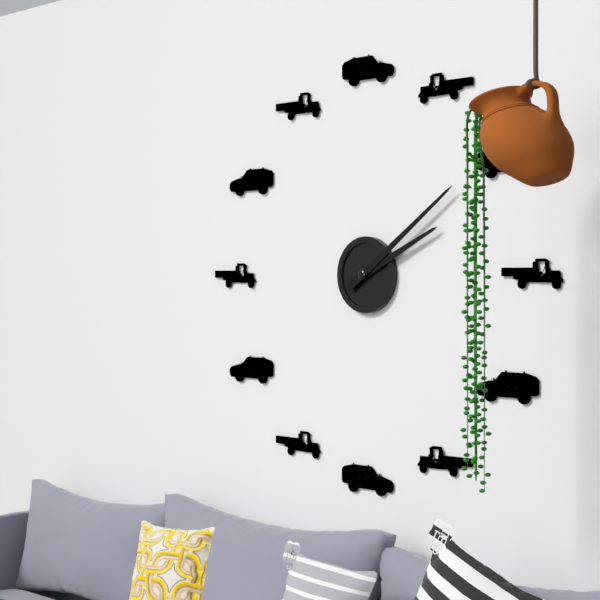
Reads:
h=2 m=9
